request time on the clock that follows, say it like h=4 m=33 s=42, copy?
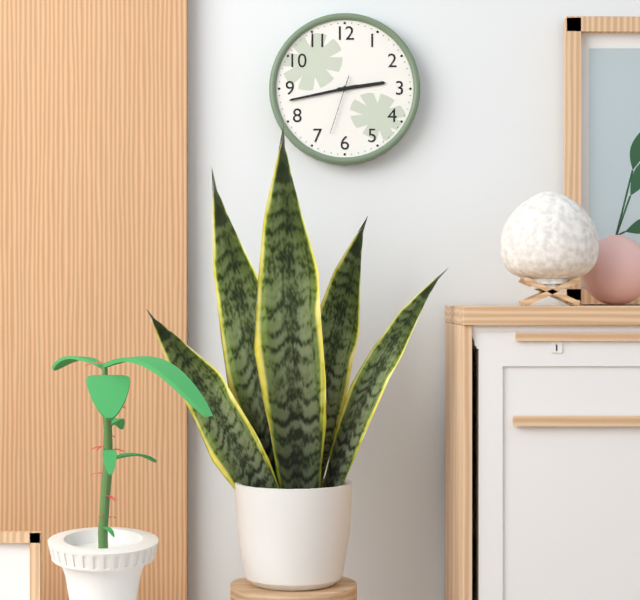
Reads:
h=2 m=43 s=33
